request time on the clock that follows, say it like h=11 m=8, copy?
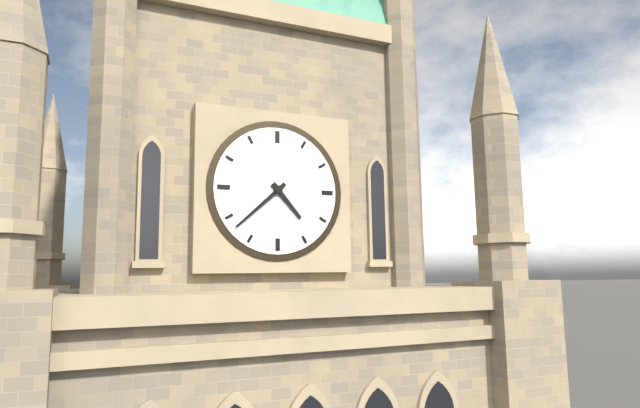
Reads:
h=4 m=38
